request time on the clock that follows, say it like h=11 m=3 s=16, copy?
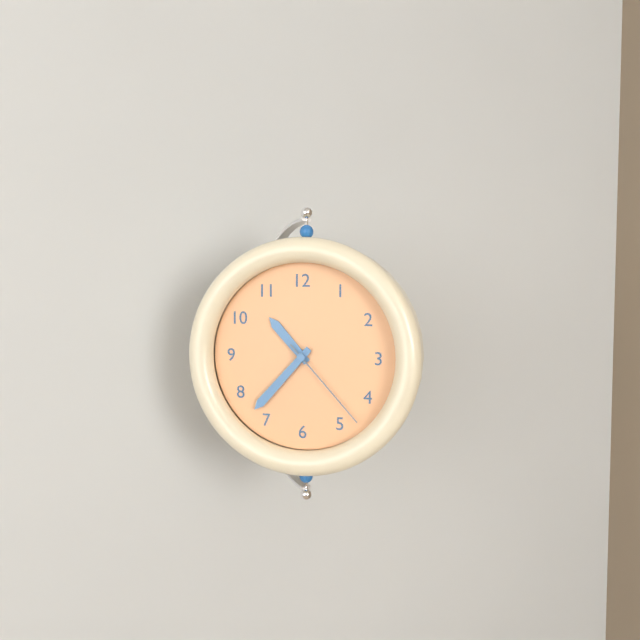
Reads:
h=10 m=37 s=23
